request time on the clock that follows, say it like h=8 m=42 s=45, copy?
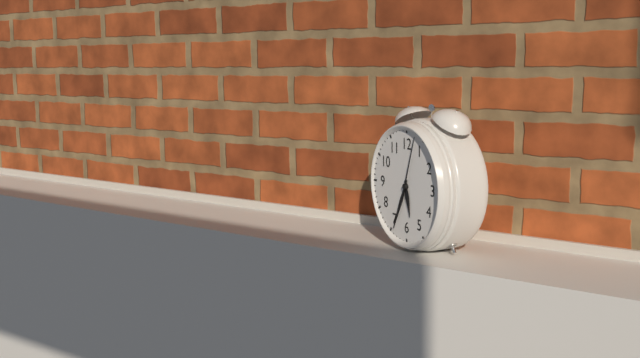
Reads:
h=5 m=34 s=3
